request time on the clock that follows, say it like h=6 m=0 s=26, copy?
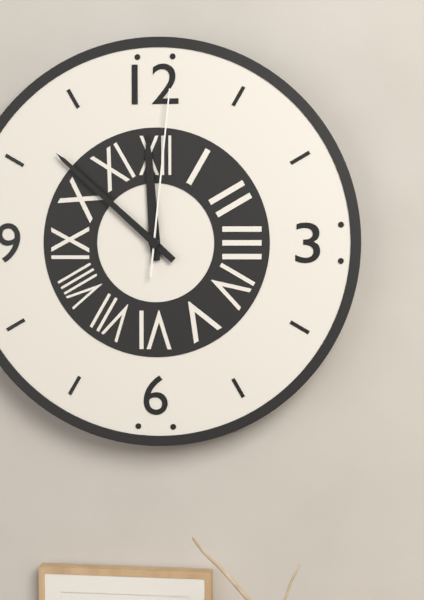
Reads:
h=11 m=52 s=1
